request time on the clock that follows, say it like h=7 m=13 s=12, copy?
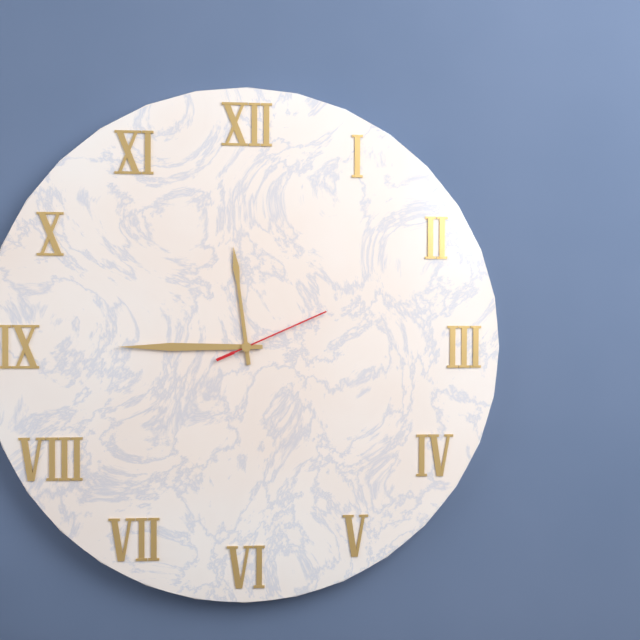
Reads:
h=11 m=45 s=11
